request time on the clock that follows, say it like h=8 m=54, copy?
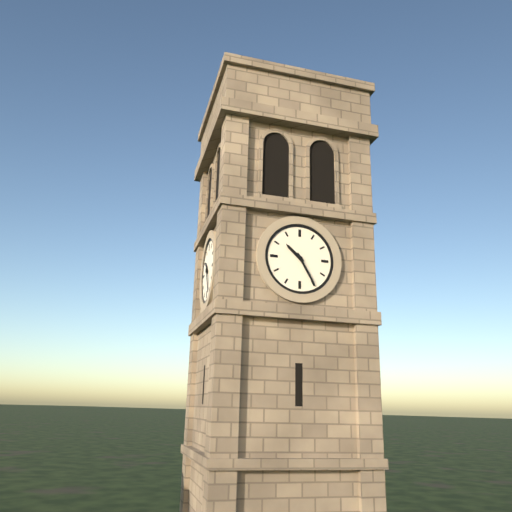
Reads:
h=10 m=25
